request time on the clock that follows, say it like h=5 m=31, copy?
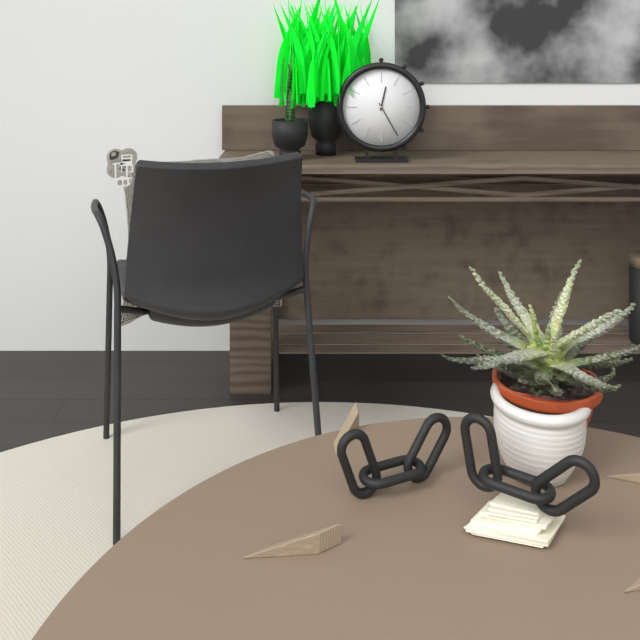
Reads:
h=12 m=25
